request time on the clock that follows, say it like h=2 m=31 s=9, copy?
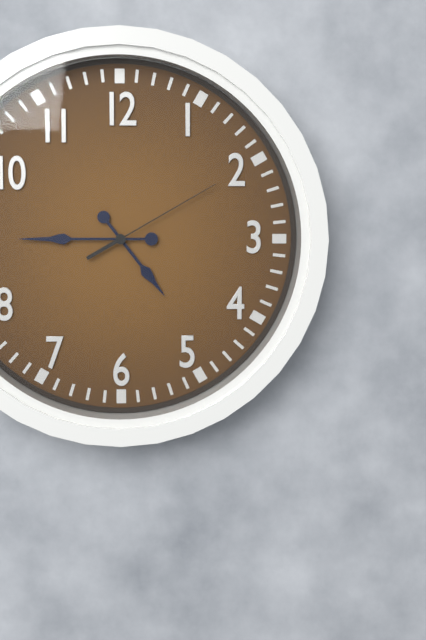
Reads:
h=4 m=45 s=10
